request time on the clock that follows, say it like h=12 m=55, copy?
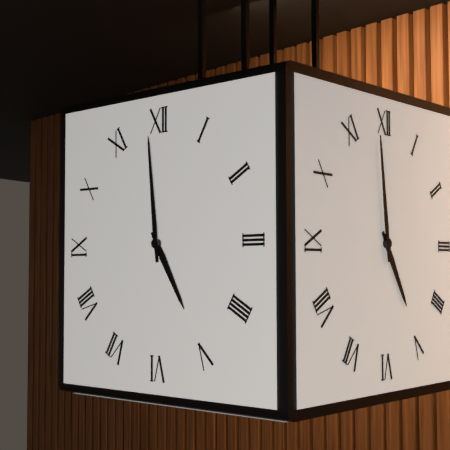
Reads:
h=4 m=59
